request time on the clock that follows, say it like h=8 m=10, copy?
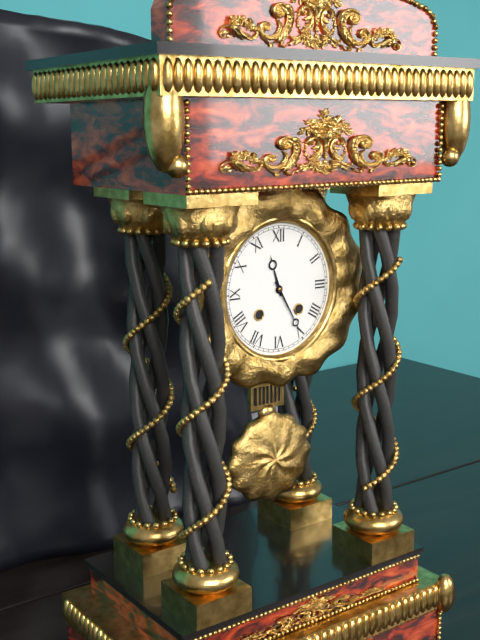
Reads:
h=11 m=25
